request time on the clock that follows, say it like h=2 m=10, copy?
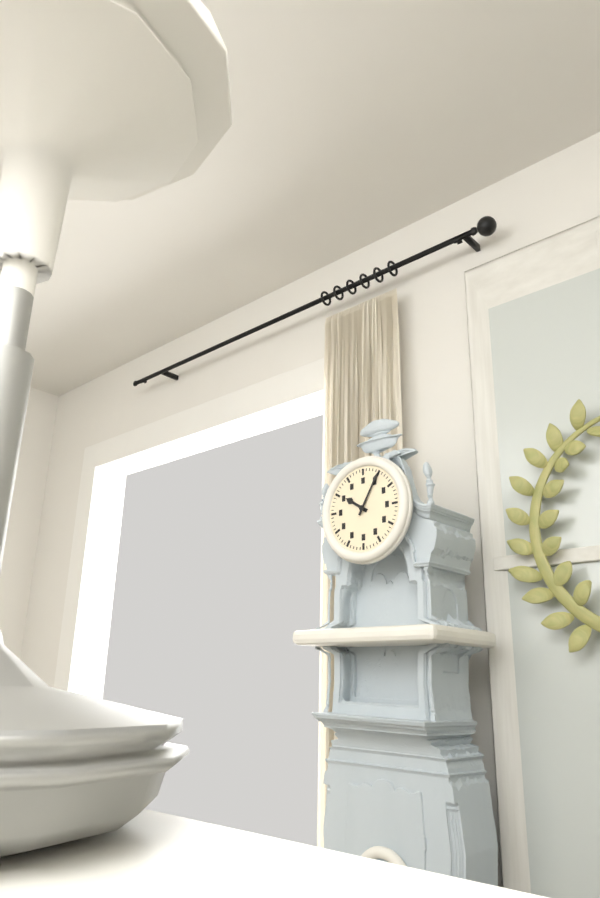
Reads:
h=10 m=5
